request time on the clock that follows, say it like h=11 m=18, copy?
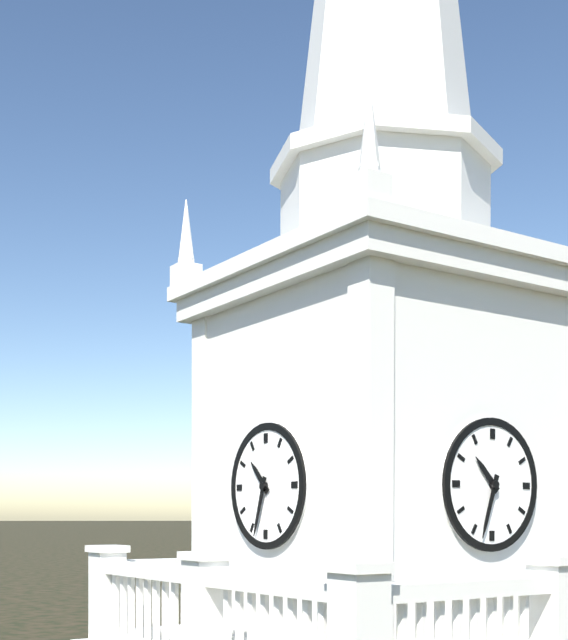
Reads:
h=10 m=33
